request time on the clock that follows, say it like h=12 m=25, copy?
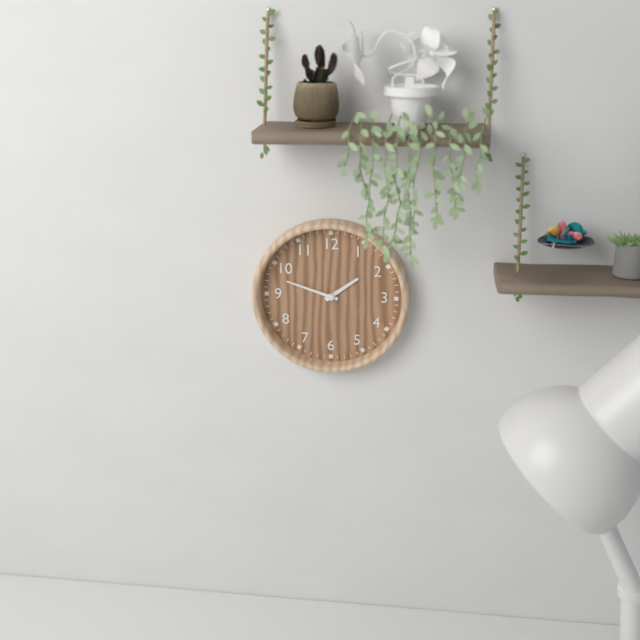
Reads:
h=1 m=48
